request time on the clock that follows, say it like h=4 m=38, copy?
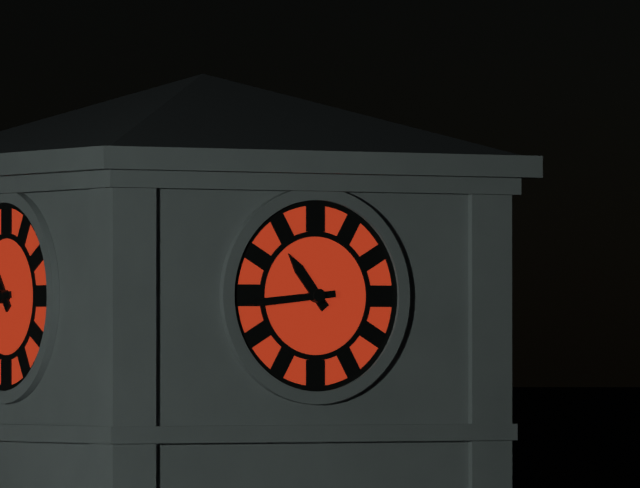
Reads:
h=10 m=44
